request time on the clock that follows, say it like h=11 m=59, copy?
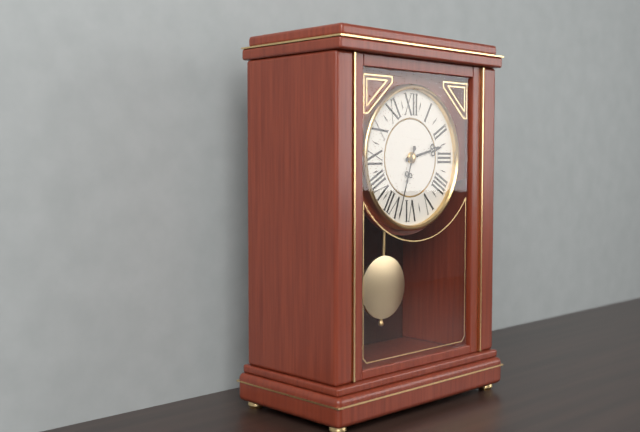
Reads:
h=2 m=33
